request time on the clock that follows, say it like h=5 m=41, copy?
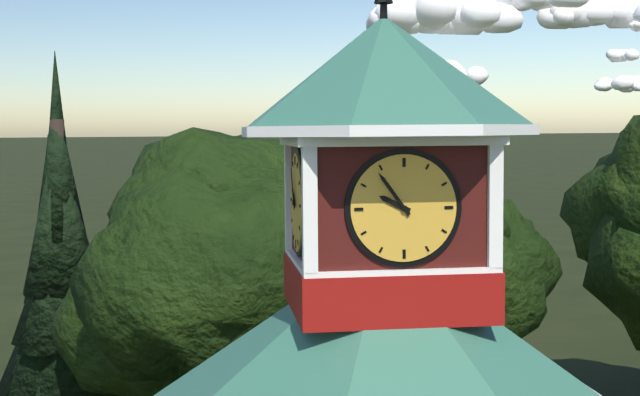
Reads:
h=9 m=54
